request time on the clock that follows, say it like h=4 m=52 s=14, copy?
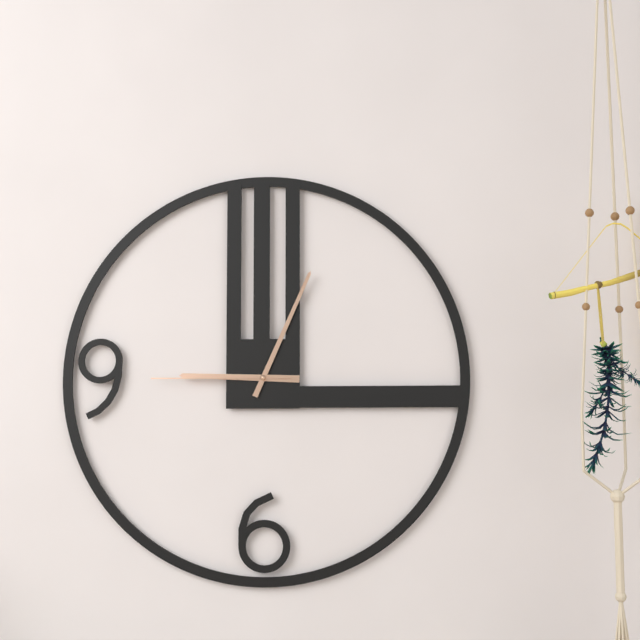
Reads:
h=9 m=4 s=45
